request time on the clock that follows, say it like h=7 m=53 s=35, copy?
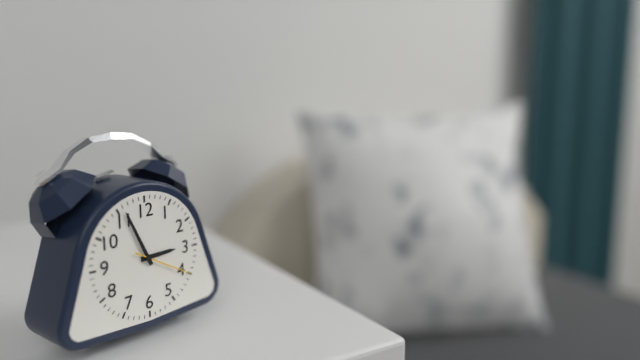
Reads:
h=2 m=56 s=20
